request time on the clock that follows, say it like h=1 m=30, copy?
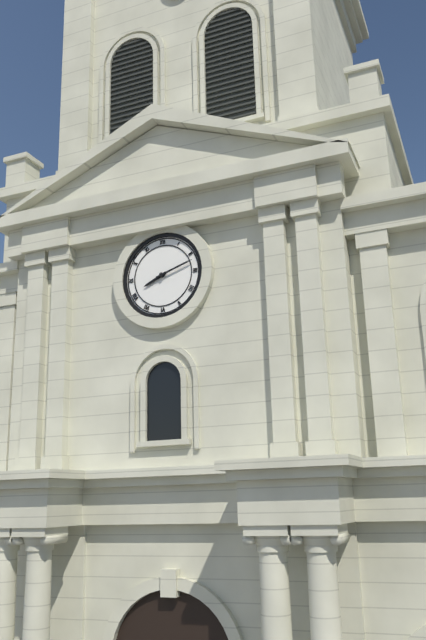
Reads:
h=8 m=12
